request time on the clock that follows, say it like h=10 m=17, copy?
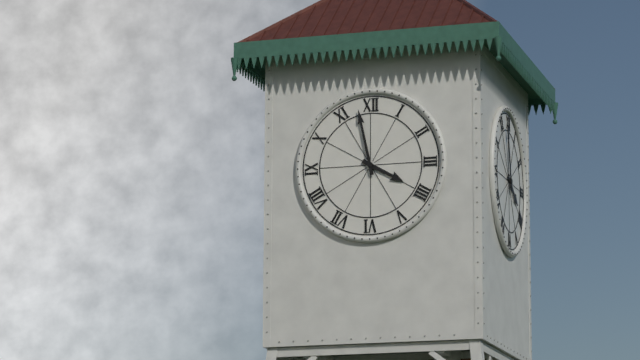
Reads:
h=3 m=58
